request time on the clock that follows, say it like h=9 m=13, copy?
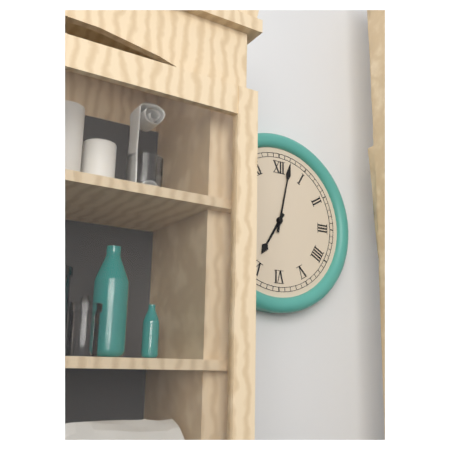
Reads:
h=7 m=2
